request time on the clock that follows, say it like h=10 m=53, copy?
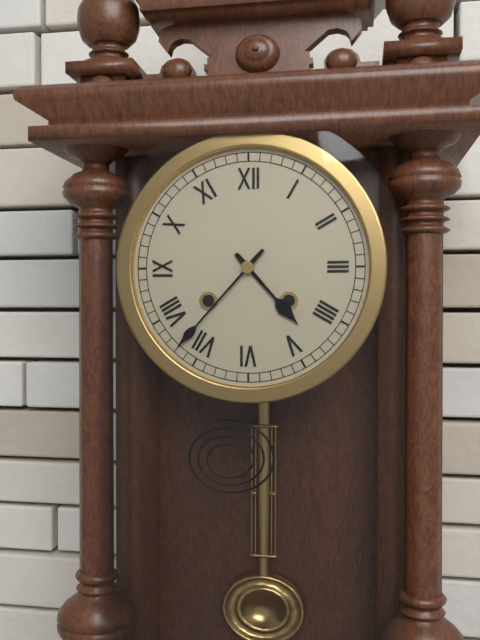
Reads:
h=4 m=37
